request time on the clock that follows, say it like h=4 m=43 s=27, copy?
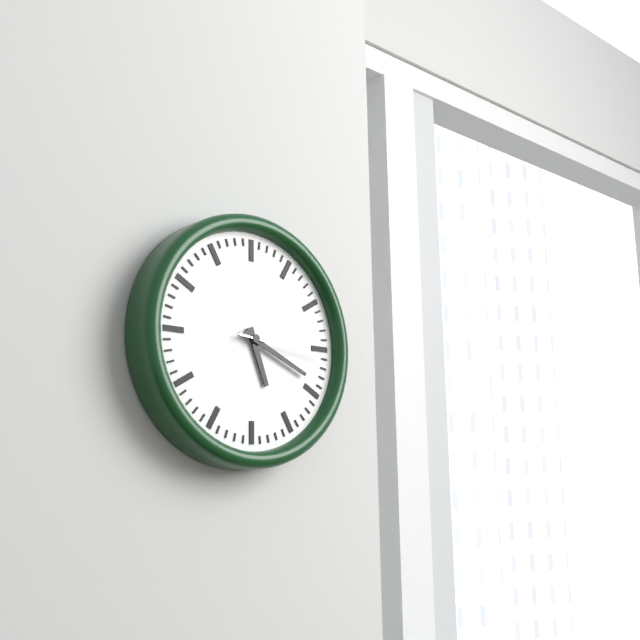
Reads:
h=5 m=19 s=16
